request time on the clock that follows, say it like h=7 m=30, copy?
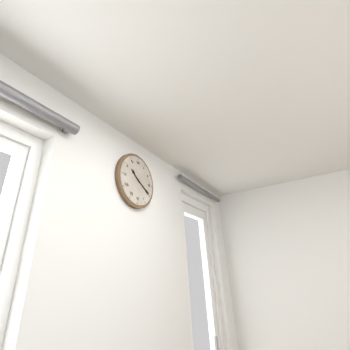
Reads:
h=10 m=20
